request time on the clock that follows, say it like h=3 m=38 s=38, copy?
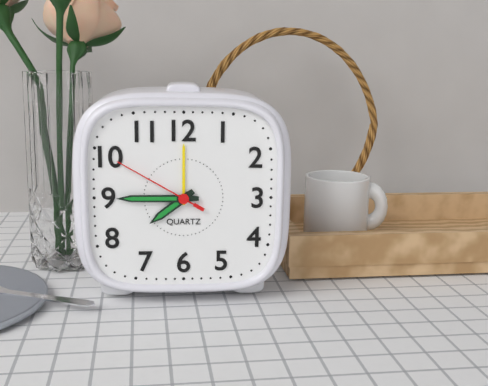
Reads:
h=7 m=45 s=50
